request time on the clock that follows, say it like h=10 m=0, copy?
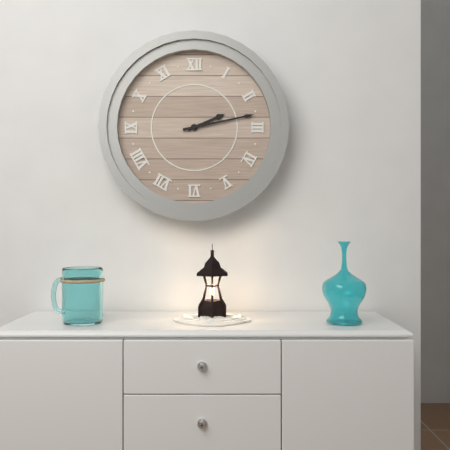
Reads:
h=2 m=13
